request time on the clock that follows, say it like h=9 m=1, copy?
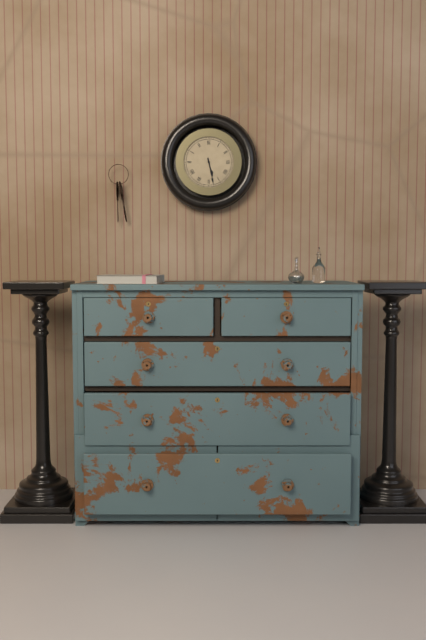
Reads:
h=5 m=28
